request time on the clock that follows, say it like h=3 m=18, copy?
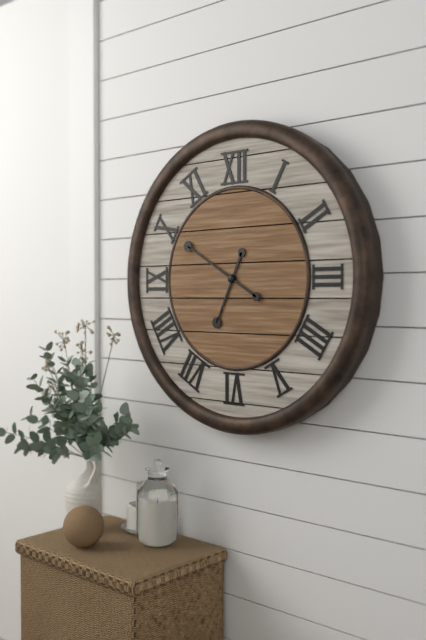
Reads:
h=6 m=50
